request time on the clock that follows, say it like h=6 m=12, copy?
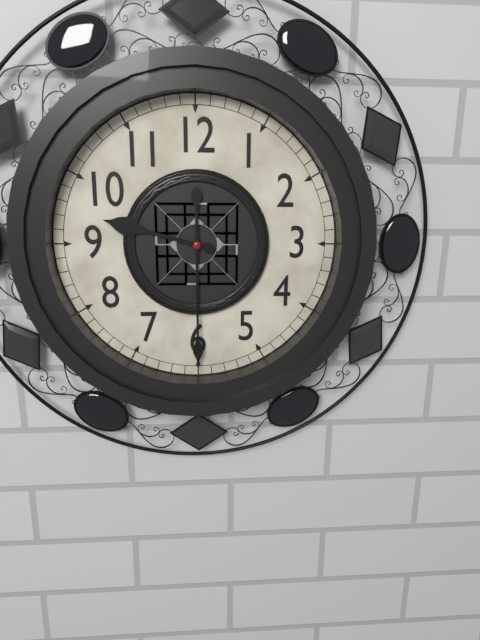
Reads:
h=9 m=30
